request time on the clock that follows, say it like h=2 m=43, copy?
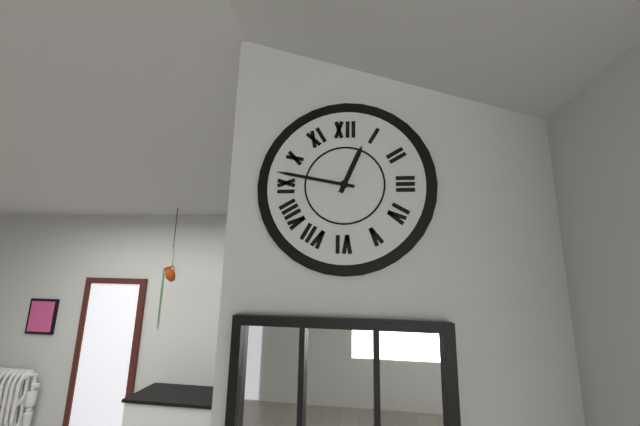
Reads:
h=12 m=47
